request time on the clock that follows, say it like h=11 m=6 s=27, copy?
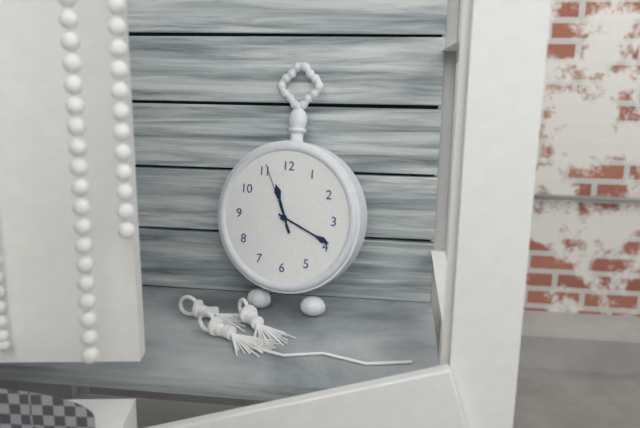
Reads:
h=11 m=19 s=56
